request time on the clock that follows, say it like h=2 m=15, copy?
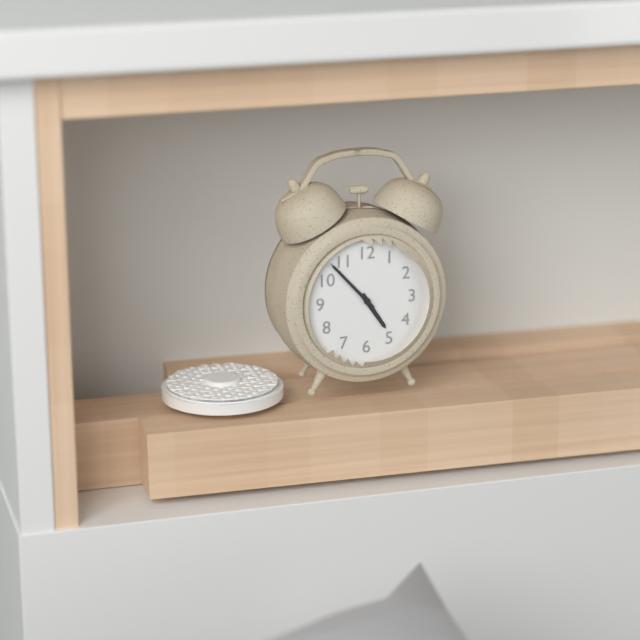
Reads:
h=4 m=53
